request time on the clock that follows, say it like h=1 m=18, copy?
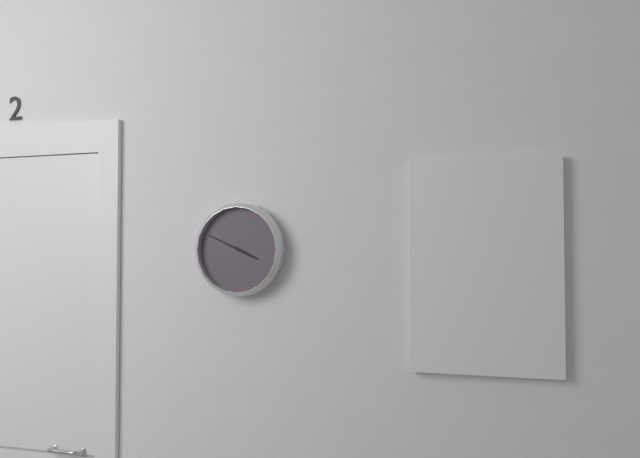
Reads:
h=3 m=49
